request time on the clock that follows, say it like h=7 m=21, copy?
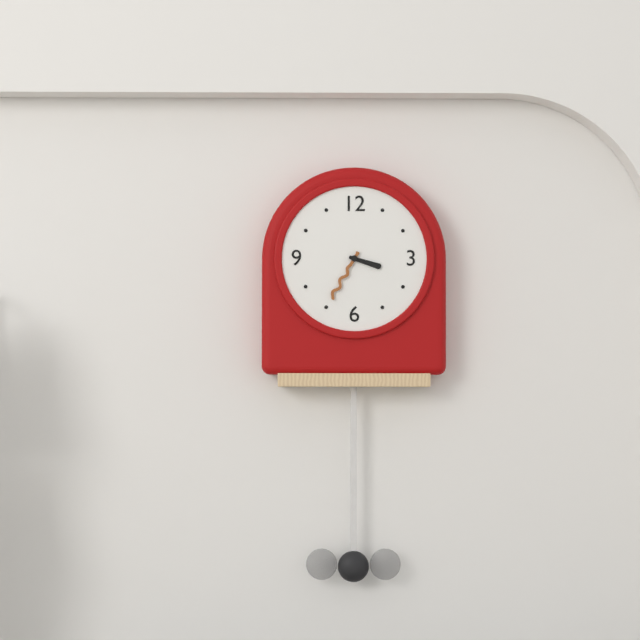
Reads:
h=3 m=35
